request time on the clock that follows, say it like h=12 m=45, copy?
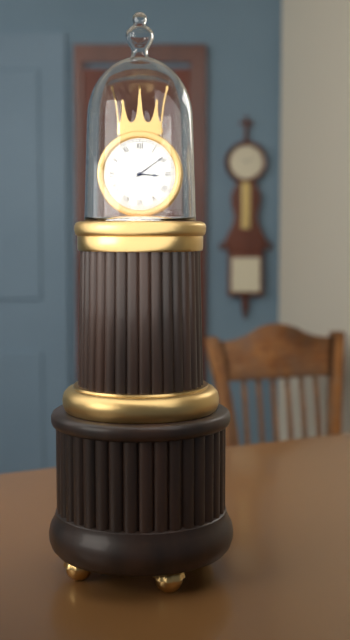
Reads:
h=3 m=9
